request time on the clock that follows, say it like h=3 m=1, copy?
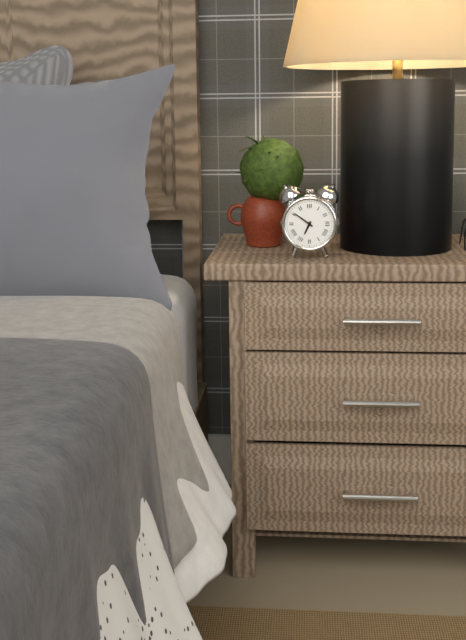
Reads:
h=6 m=51
